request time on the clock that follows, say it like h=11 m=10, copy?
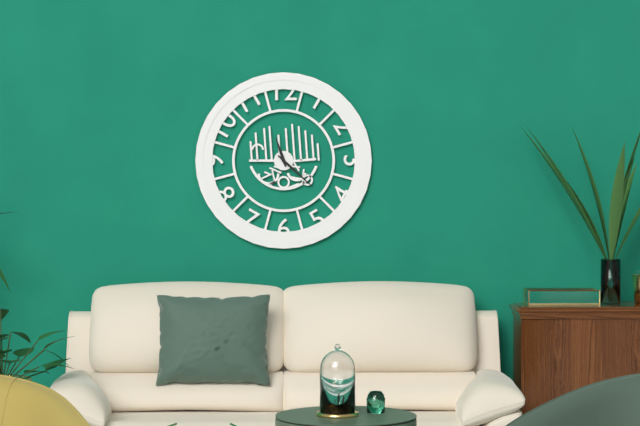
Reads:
h=11 m=22
